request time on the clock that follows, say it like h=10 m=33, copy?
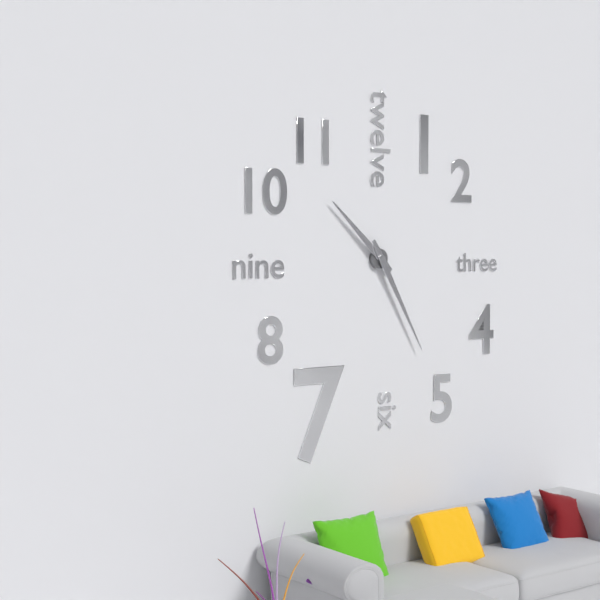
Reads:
h=10 m=25
